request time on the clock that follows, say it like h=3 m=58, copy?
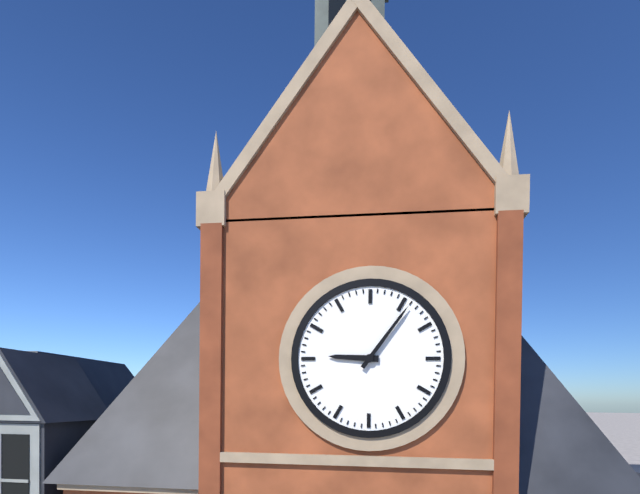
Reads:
h=9 m=6
